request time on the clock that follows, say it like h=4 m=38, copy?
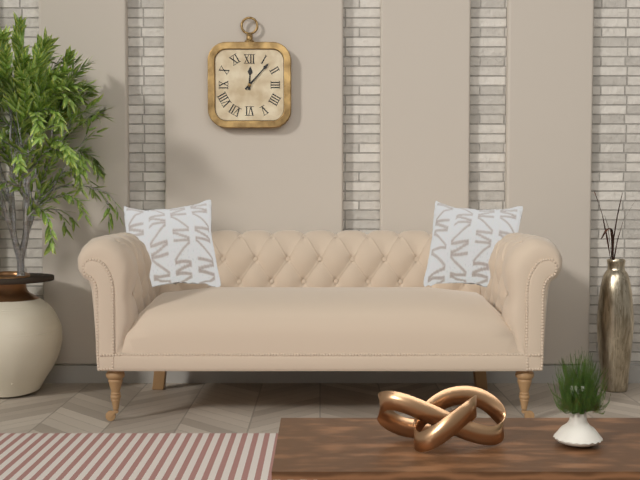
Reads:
h=12 m=7
